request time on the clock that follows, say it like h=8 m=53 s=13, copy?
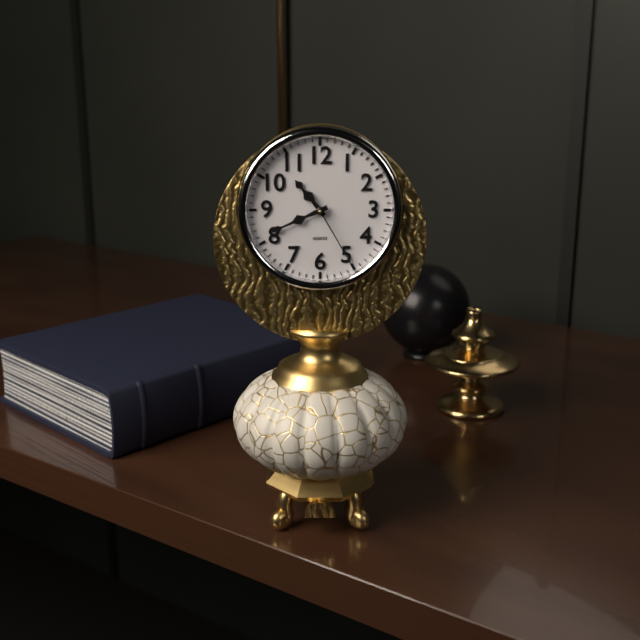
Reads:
h=10 m=41 s=25
